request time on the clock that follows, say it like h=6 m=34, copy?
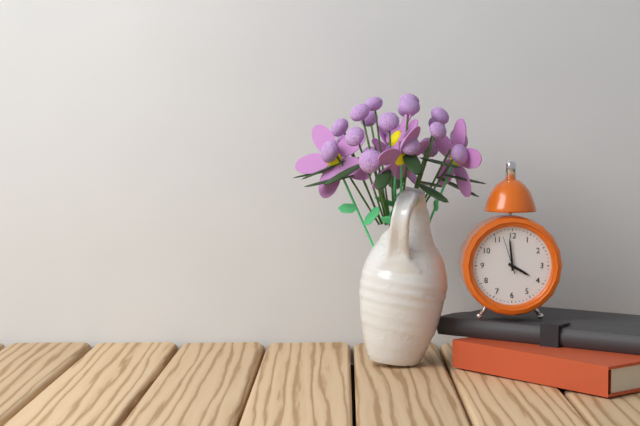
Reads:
h=3 m=59
